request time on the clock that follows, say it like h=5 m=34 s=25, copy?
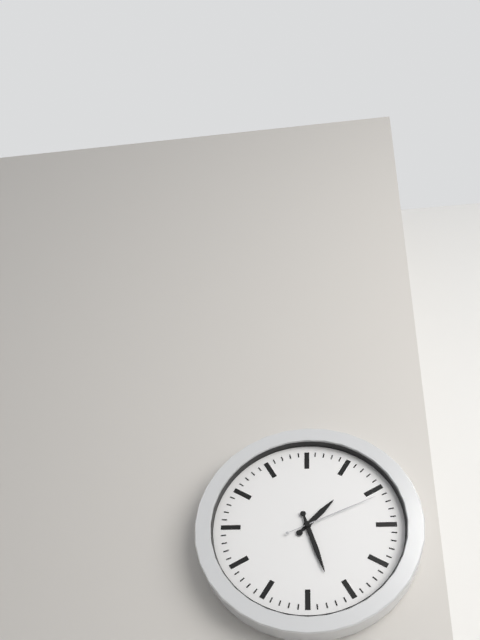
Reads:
h=1 m=27 s=11
